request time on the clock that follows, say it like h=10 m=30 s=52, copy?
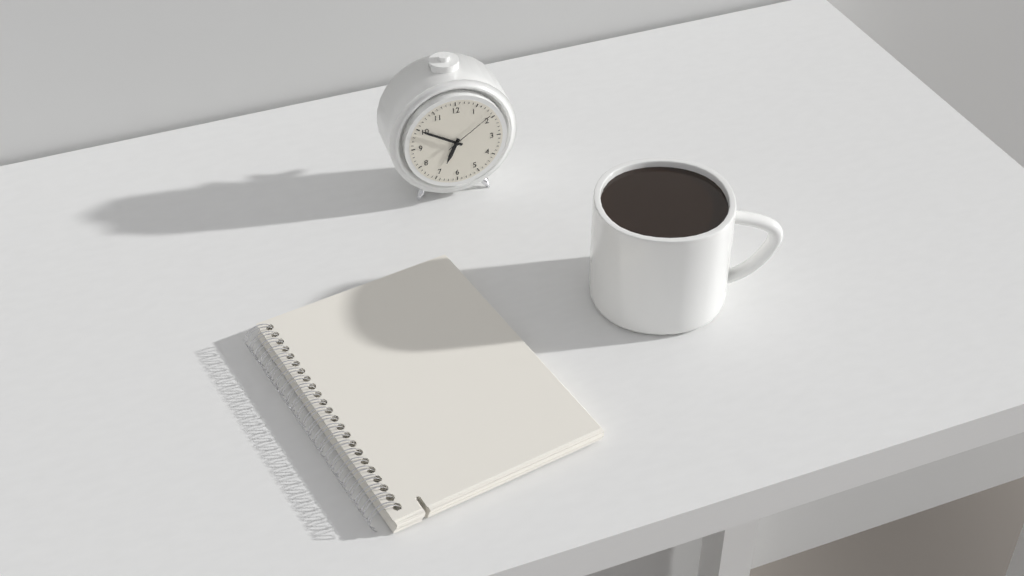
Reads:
h=6 m=50 s=9
